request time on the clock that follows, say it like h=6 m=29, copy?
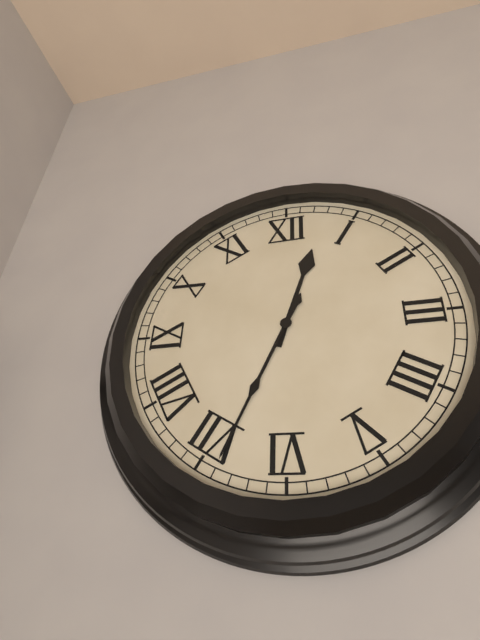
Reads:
h=12 m=34
